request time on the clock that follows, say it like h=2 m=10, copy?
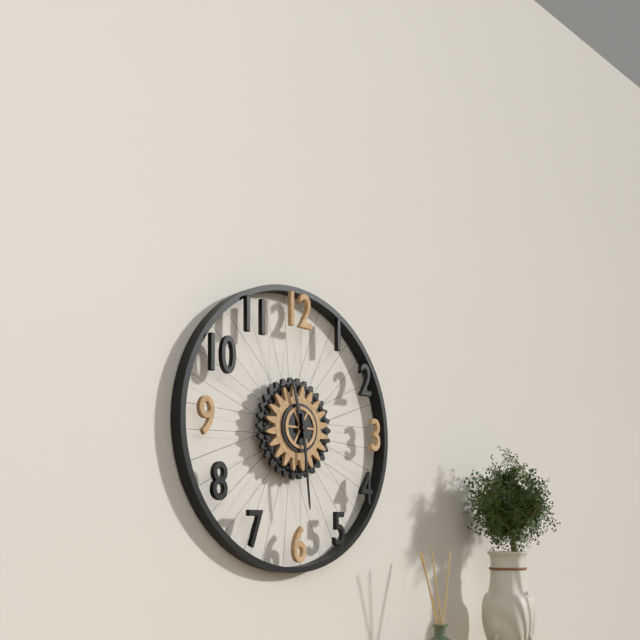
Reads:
h=11 m=29
